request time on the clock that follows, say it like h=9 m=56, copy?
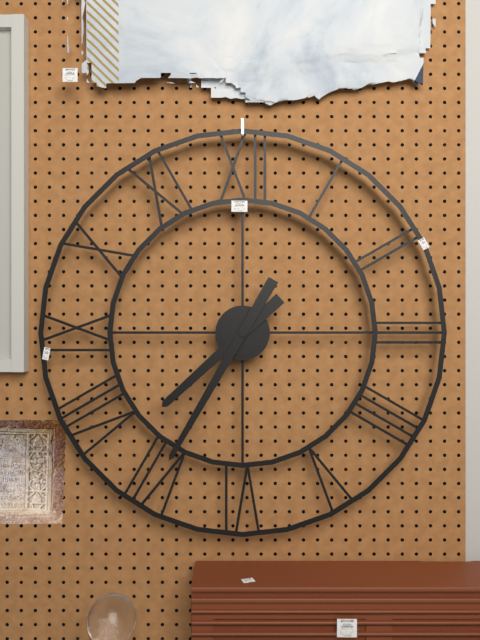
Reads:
h=7 m=35
